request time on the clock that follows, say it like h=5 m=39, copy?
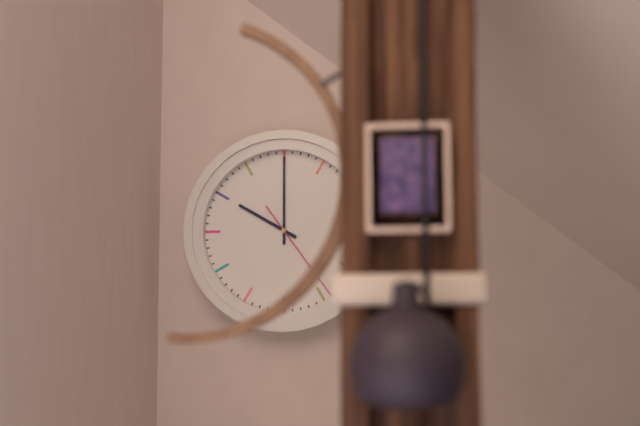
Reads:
h=10 m=0
